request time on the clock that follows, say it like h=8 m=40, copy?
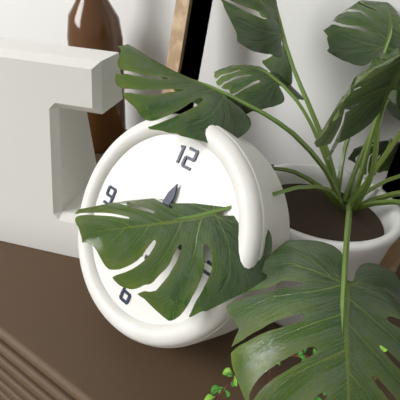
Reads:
h=12 m=15
